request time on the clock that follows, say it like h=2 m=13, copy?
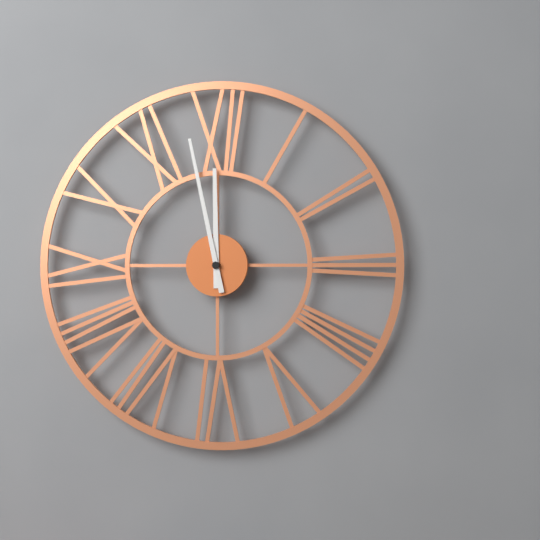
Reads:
h=11 m=58
